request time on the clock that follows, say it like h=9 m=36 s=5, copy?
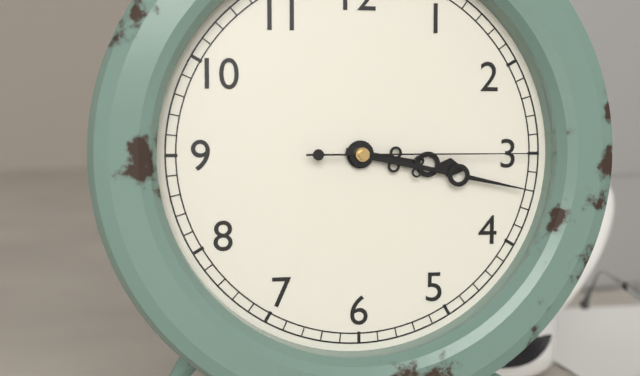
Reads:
h=3 m=17 s=15
